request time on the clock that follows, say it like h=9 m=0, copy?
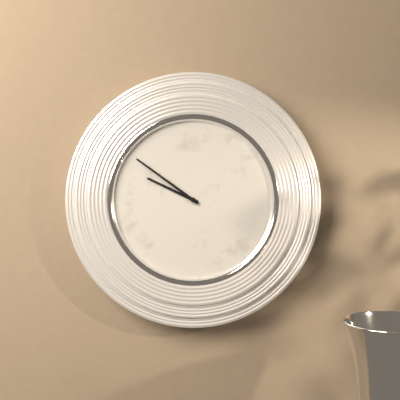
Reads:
h=9 m=51
